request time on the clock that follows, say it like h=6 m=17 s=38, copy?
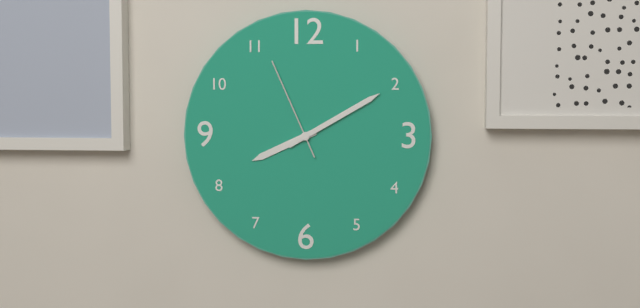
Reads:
h=8 m=10 s=56
